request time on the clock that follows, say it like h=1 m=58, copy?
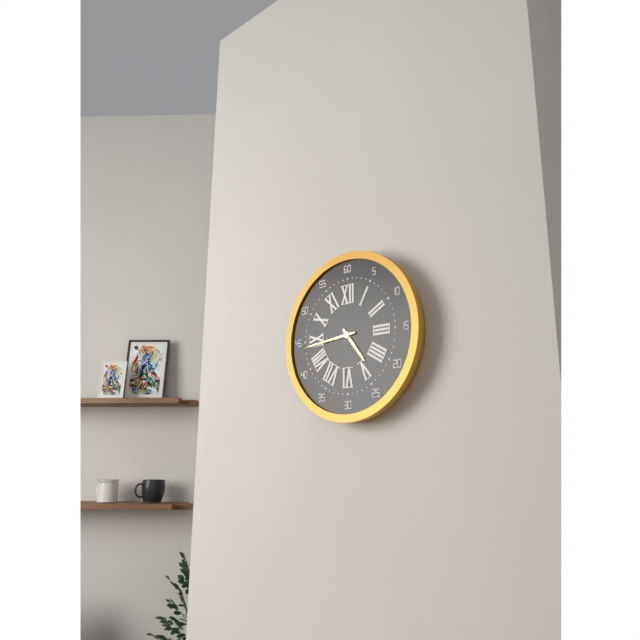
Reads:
h=4 m=44
